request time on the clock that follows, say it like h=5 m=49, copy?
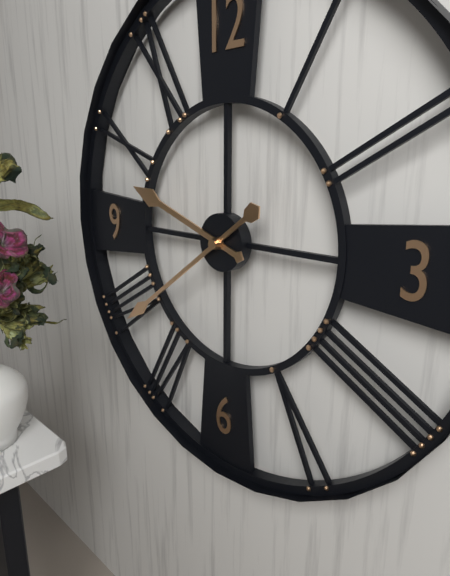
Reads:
h=9 m=39
